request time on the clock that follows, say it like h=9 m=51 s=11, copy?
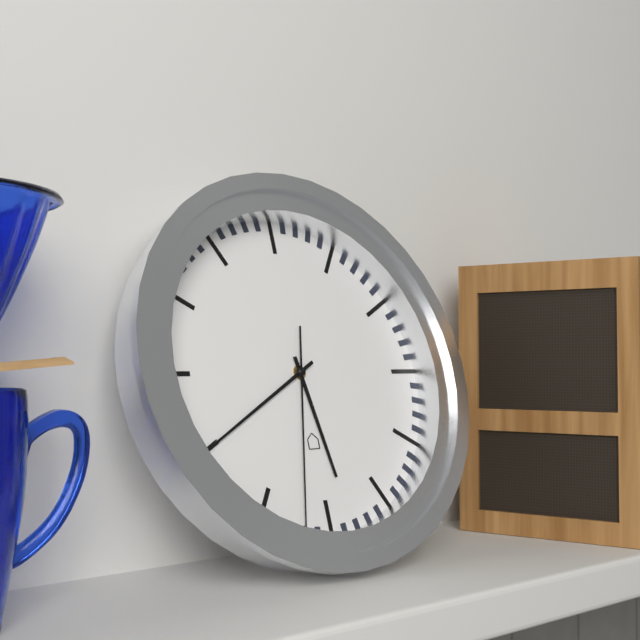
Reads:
h=5 m=40 s=32
